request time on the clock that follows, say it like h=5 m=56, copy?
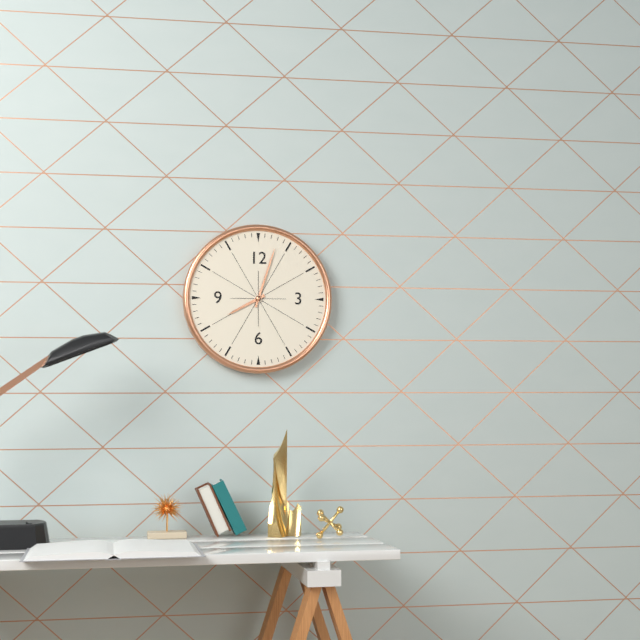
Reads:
h=8 m=3
